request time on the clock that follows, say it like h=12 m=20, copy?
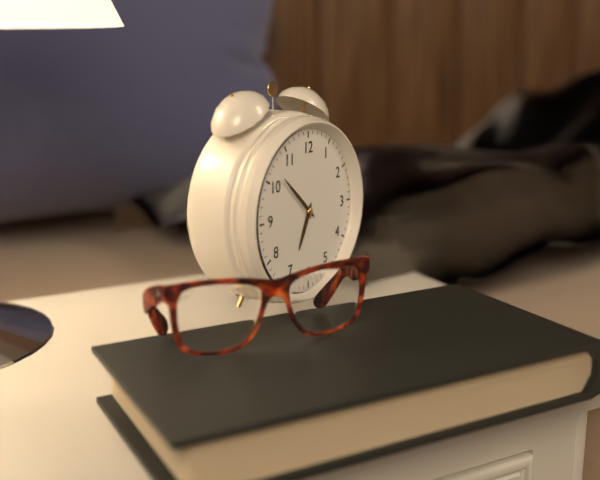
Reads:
h=6 m=52
